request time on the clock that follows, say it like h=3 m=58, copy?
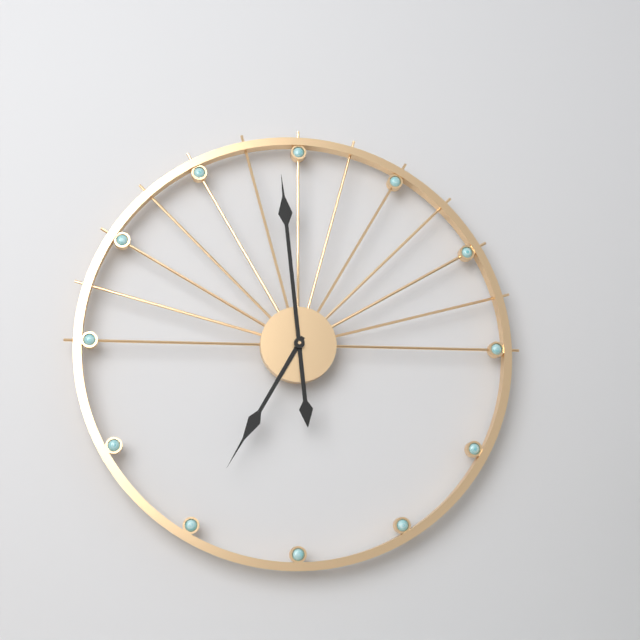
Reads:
h=6 m=59
